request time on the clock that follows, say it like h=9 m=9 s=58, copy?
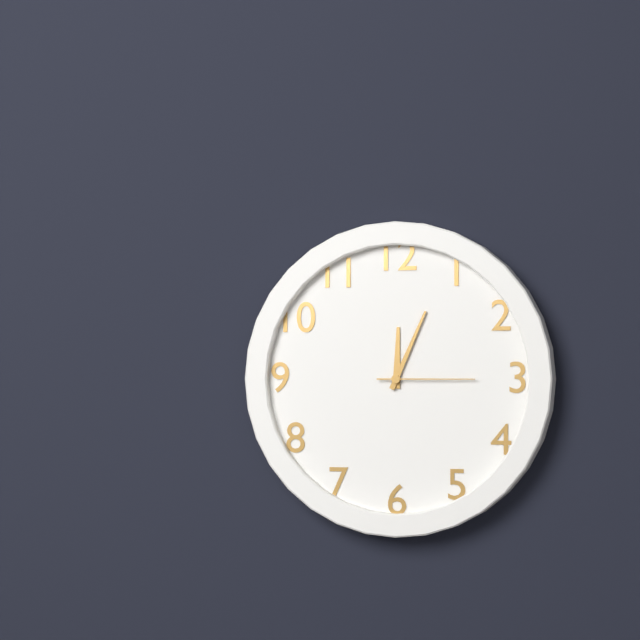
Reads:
h=12 m=4 s=15
